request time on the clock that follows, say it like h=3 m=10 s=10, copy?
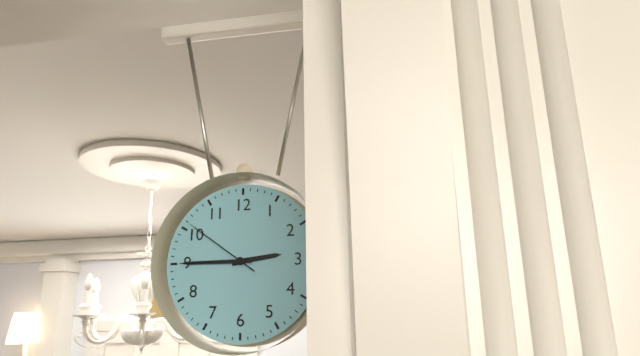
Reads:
h=2 m=45 s=51
